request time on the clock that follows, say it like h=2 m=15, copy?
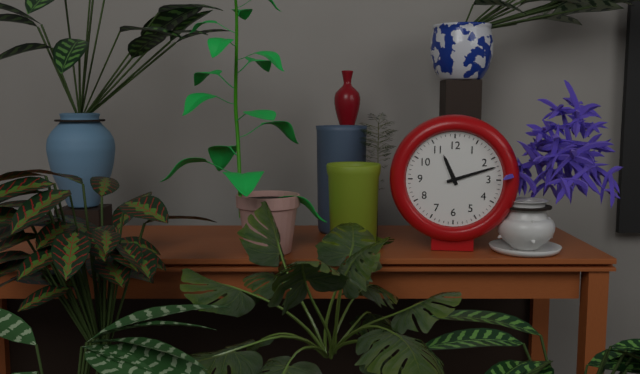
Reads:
h=11 m=12
